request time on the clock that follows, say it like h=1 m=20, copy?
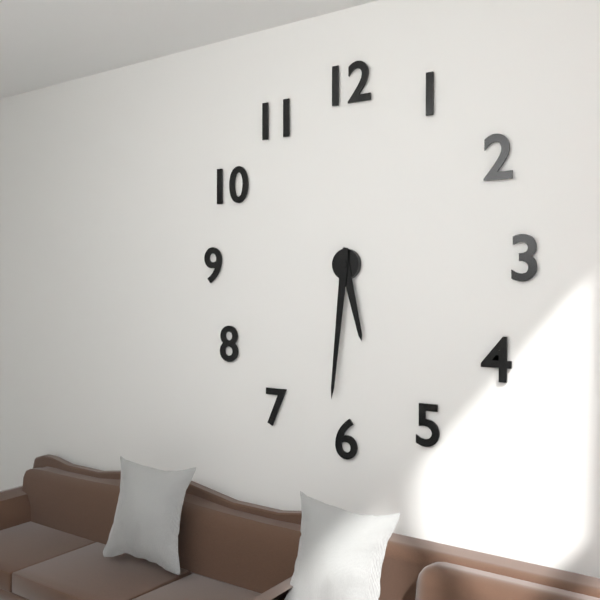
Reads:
h=5 m=31
